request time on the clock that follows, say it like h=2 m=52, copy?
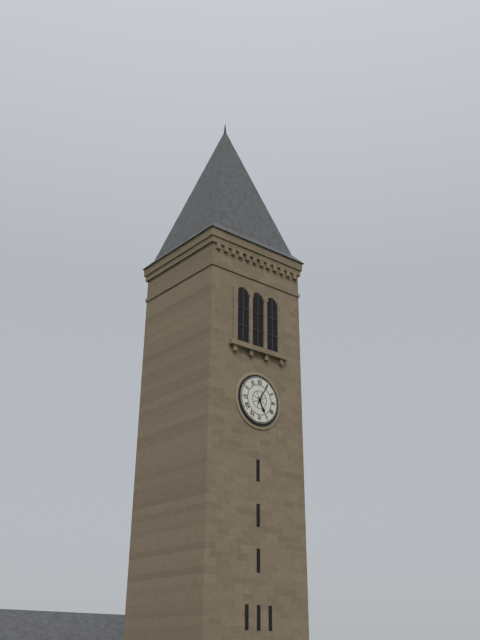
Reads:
h=5 m=5
